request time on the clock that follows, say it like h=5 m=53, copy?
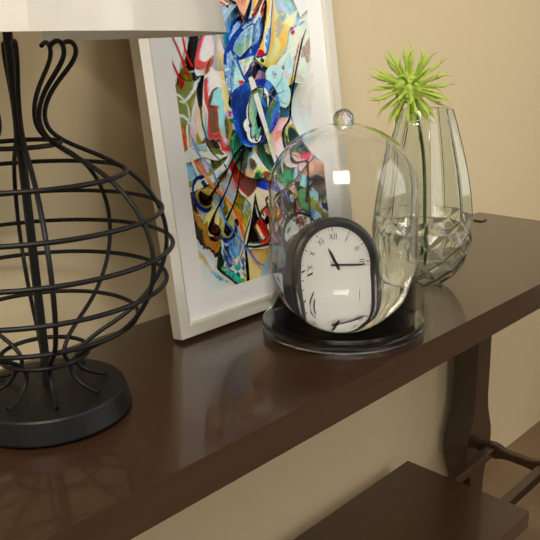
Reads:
h=11 m=16
